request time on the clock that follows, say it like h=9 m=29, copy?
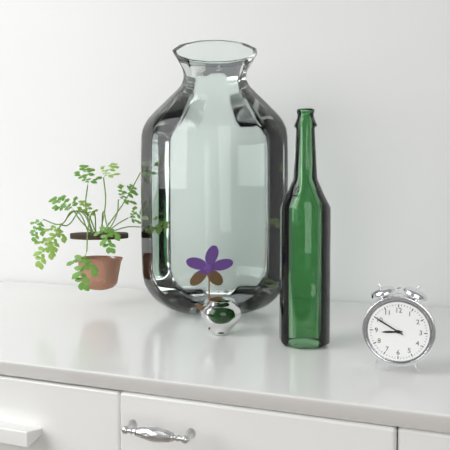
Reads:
h=8 m=50
